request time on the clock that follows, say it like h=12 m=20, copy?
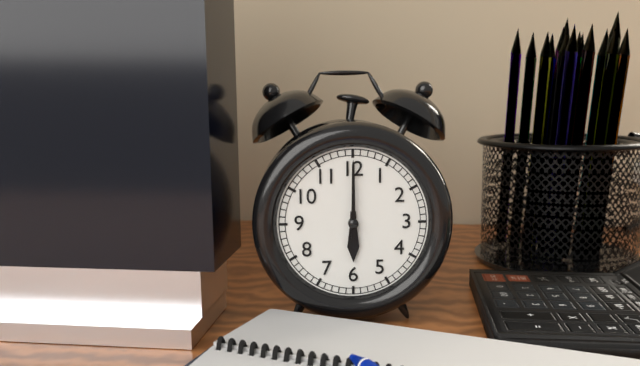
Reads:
h=6 m=0
